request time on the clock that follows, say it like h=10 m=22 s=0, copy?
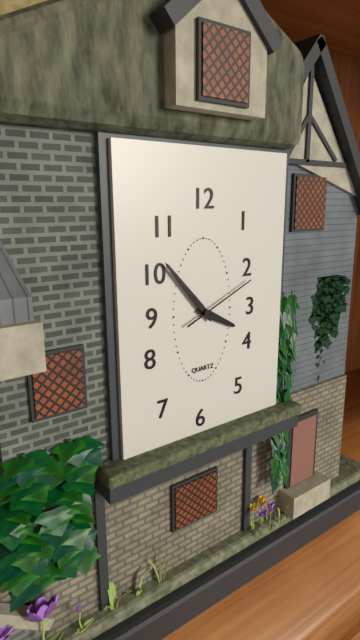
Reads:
h=3 m=53 s=11
